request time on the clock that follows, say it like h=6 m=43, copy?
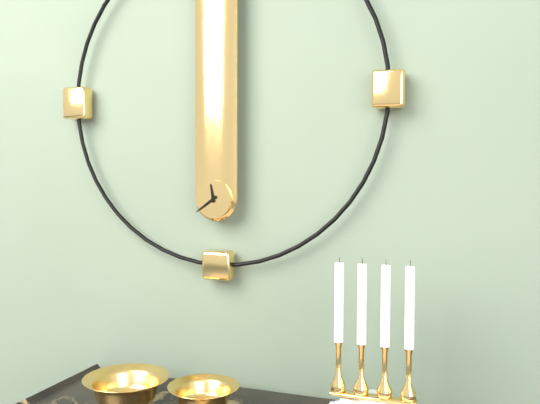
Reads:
h=11 m=39
